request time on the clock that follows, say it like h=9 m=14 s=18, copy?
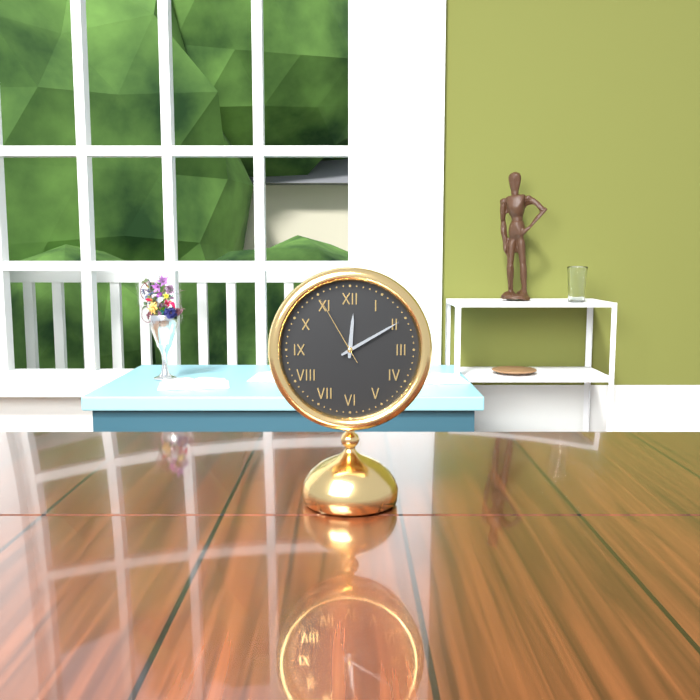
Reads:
h=12 m=10 s=55
